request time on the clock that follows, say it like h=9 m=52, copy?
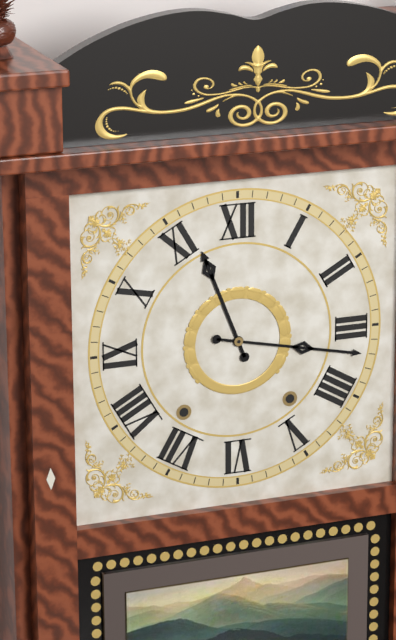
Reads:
h=11 m=17
